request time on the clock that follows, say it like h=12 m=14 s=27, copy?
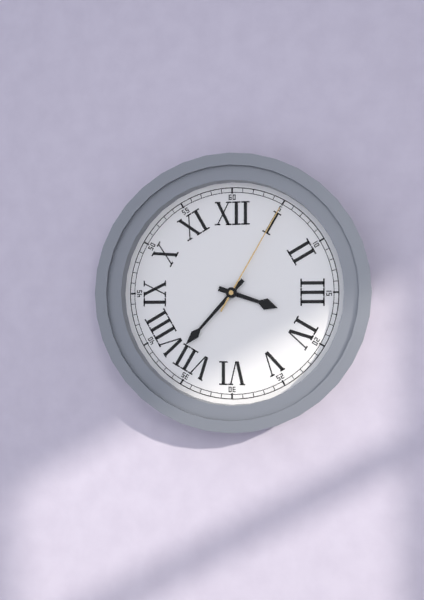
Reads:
h=3 m=37 s=5
